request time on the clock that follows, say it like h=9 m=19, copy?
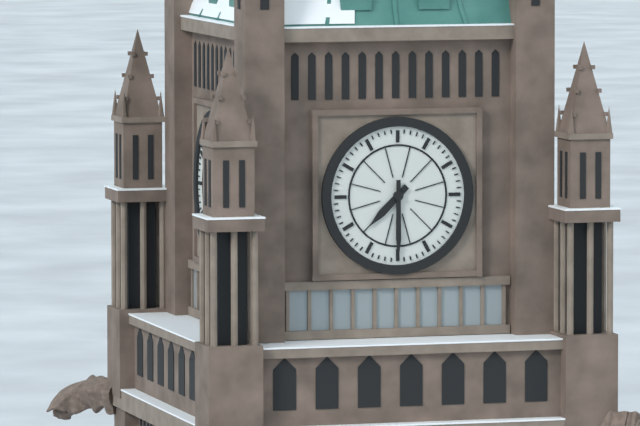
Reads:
h=7 m=30
